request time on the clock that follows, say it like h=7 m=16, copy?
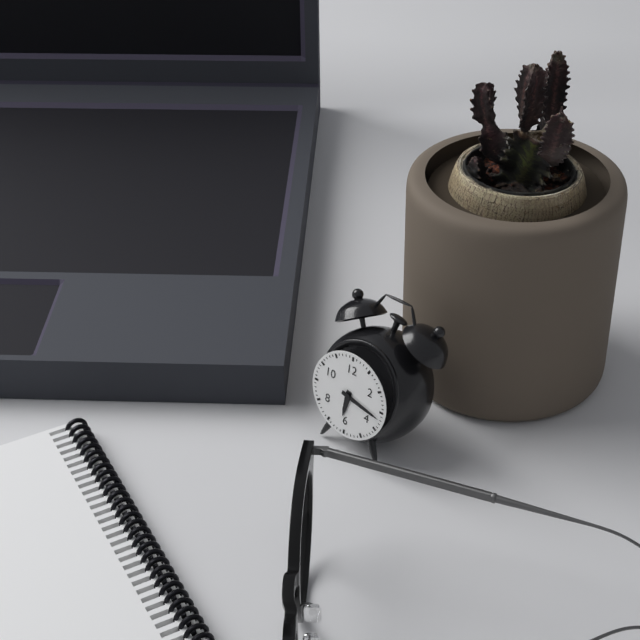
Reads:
h=6 m=17
